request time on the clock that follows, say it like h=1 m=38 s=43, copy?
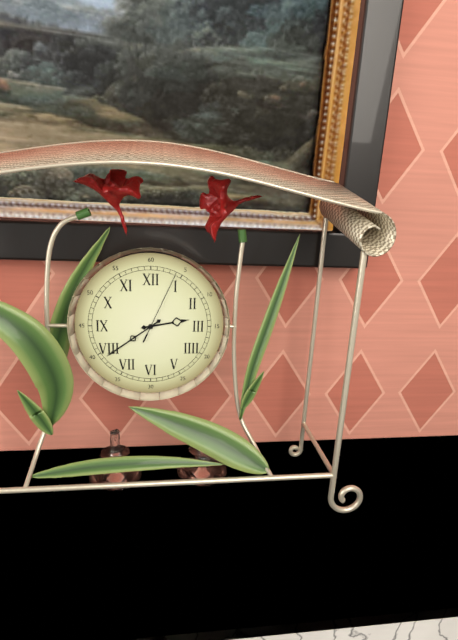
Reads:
h=2 m=39 s=4
